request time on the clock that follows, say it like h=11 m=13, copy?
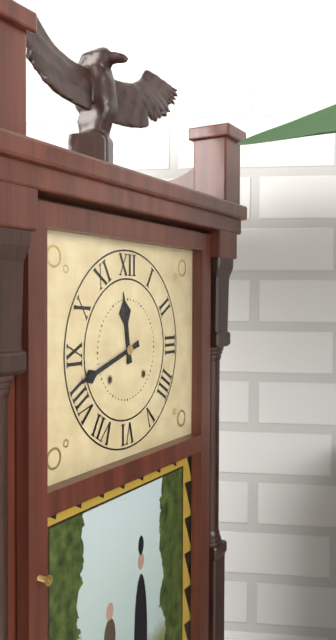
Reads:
h=11 m=42
